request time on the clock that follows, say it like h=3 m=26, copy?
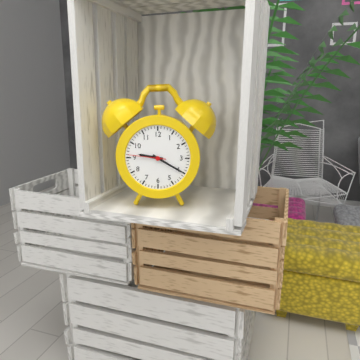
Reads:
h=9 m=20
